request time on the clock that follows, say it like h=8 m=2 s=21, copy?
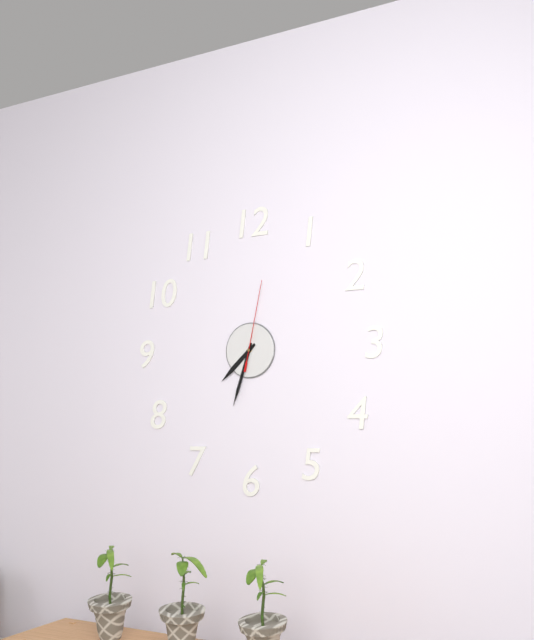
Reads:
h=7 m=33 s=2
